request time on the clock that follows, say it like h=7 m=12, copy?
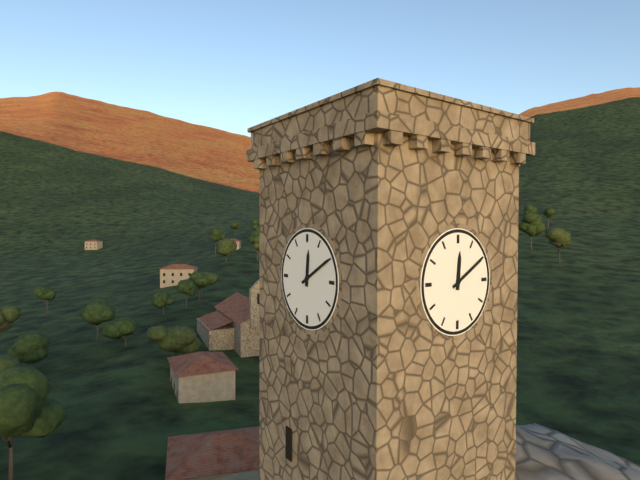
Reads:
h=12 m=10
